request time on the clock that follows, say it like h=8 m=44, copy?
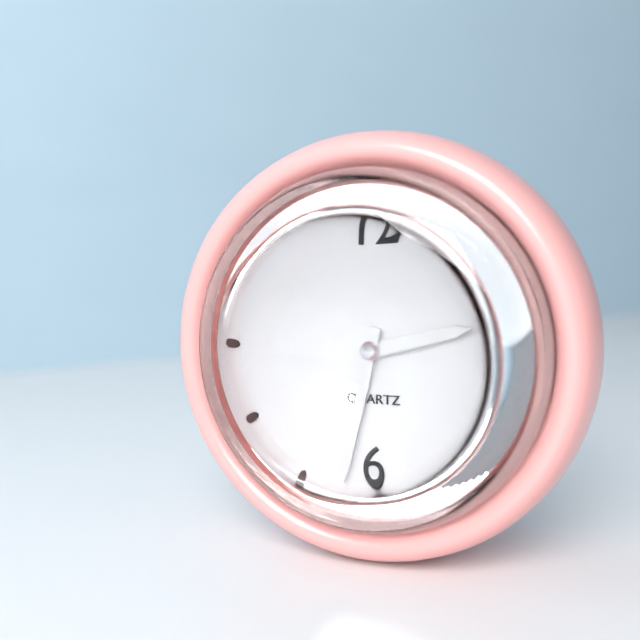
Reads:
h=2 m=32
